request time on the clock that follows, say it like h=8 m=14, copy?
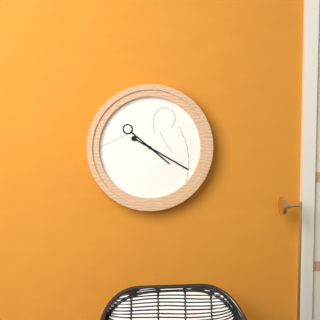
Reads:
h=4 m=20
